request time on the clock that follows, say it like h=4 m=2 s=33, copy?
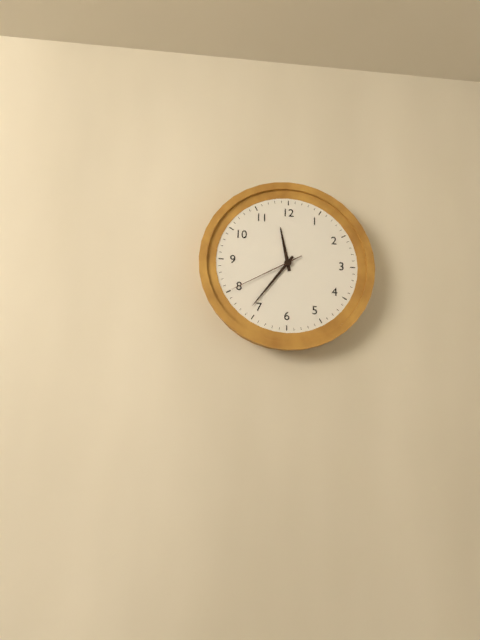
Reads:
h=11 m=36 s=40
